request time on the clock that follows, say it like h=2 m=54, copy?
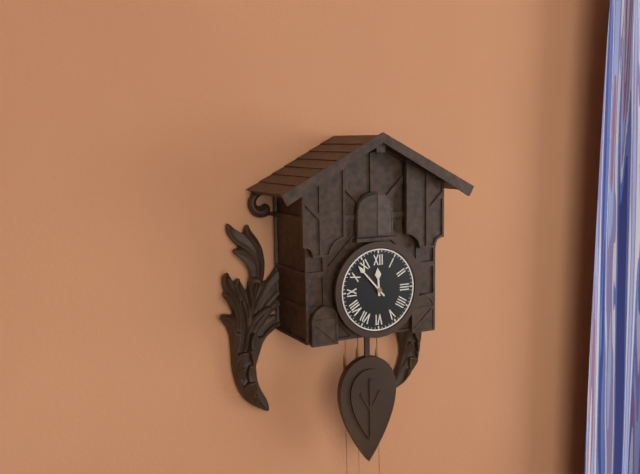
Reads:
h=11 m=53
